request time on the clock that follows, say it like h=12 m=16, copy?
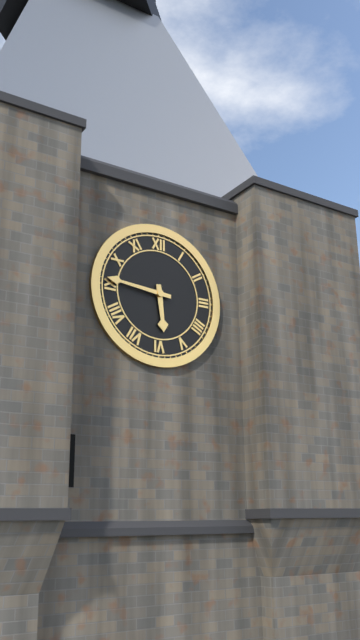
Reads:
h=5 m=46
